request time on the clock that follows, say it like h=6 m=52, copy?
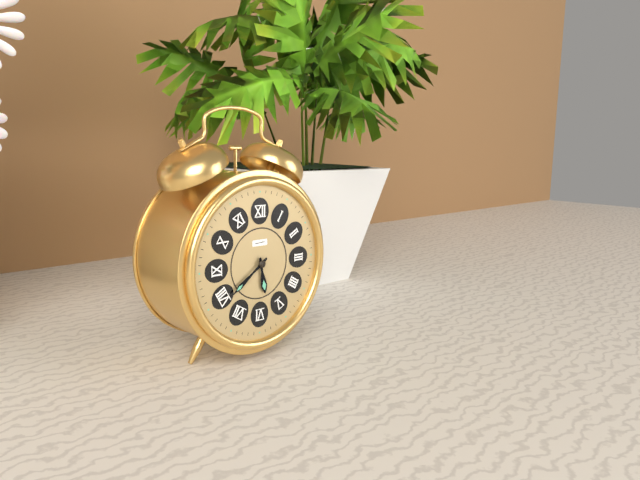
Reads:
h=5 m=39
